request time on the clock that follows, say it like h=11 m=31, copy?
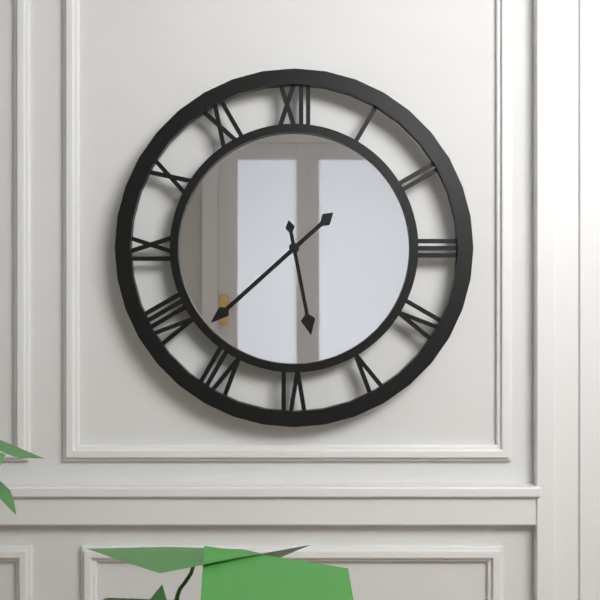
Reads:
h=5 m=38
